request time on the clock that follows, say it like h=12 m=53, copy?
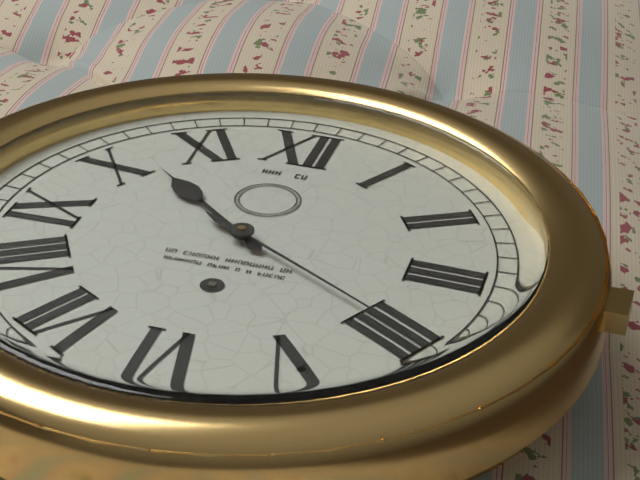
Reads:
h=10 m=20
